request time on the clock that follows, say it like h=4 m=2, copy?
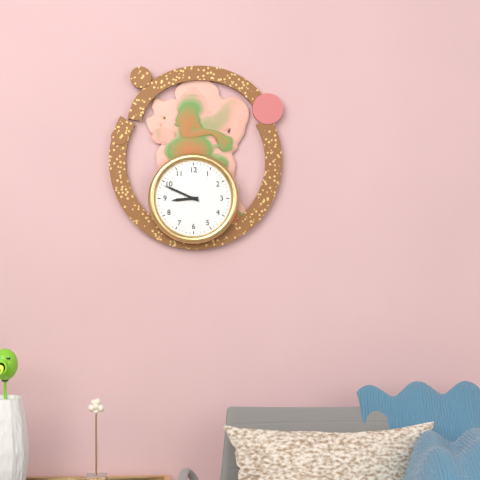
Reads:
h=8 m=49
